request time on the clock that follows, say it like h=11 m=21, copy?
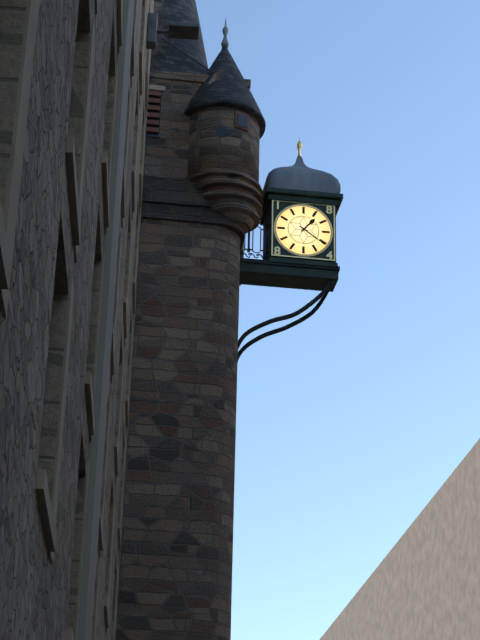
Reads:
h=1 m=21
